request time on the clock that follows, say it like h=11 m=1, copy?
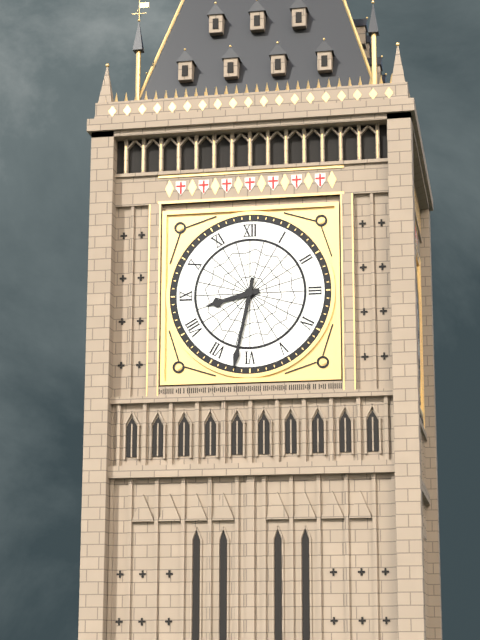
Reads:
h=8 m=32
